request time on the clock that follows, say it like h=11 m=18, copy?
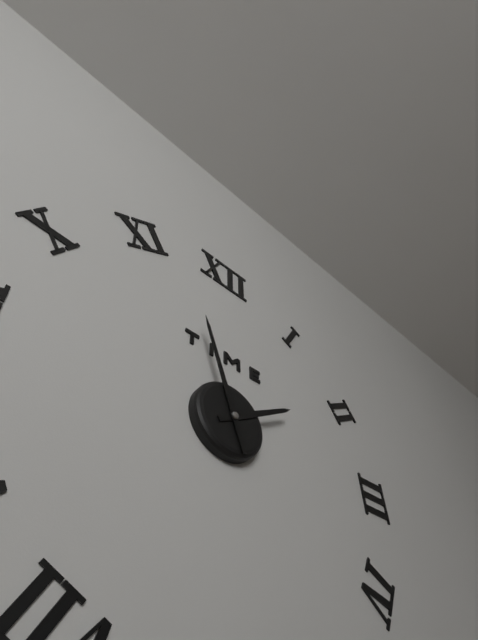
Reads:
h=1 m=57
